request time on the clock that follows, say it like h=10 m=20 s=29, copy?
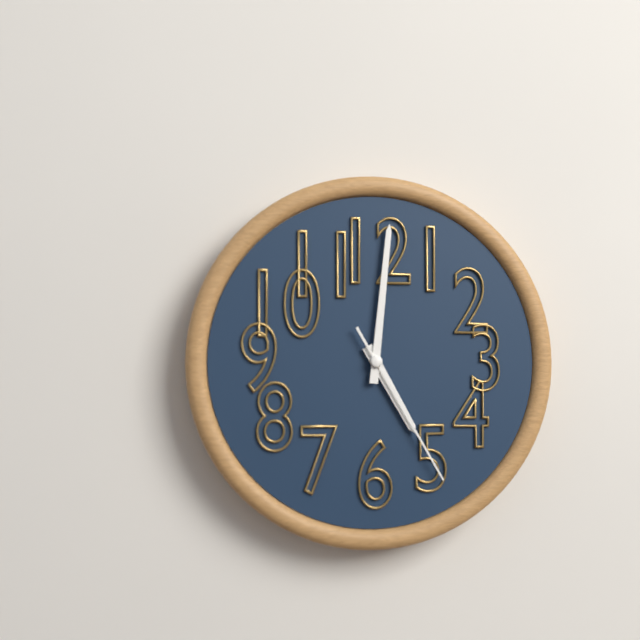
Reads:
h=5 m=1 s=25
